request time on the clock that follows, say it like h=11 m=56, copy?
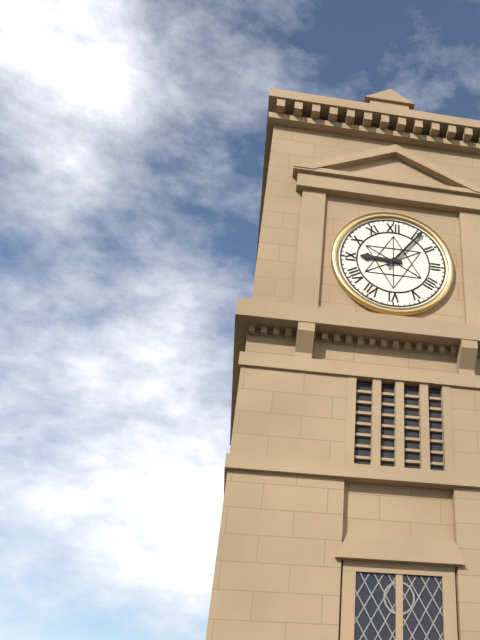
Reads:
h=9 m=6
